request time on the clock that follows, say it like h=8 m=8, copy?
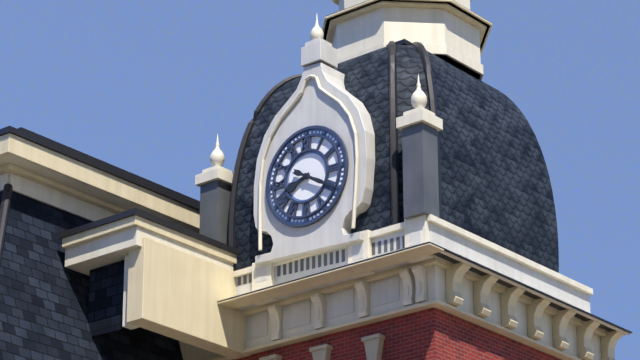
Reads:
h=8 m=20
